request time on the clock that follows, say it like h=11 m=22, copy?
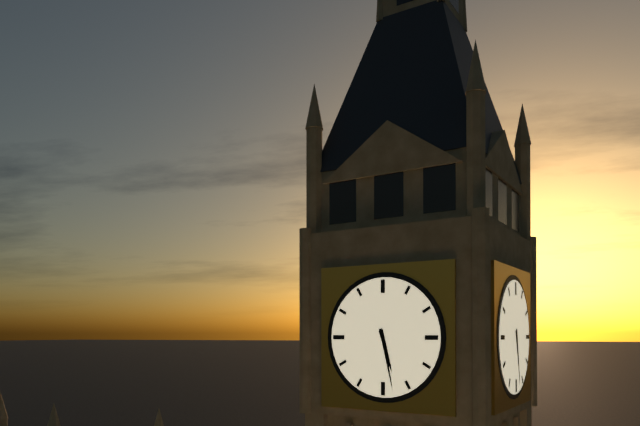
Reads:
h=5 m=28
